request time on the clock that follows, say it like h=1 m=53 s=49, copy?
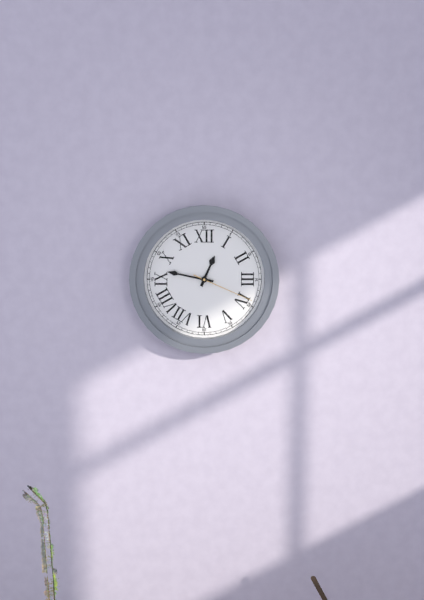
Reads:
h=12 m=47 s=19
